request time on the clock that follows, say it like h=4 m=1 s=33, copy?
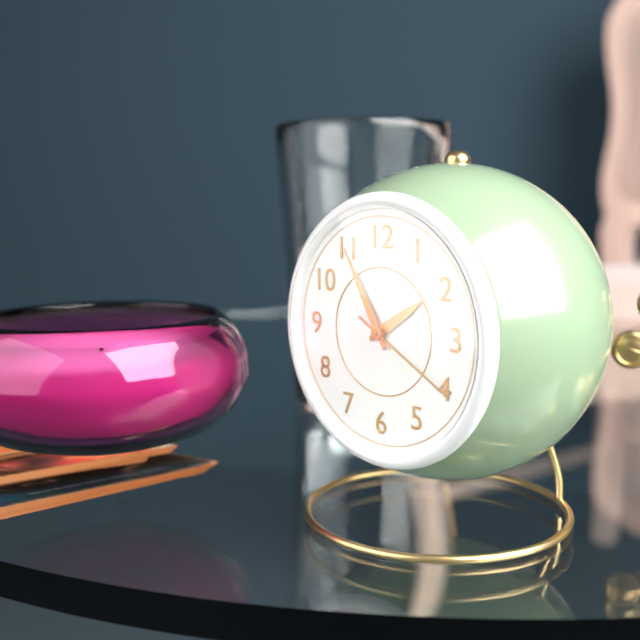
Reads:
h=1 m=55 s=20
